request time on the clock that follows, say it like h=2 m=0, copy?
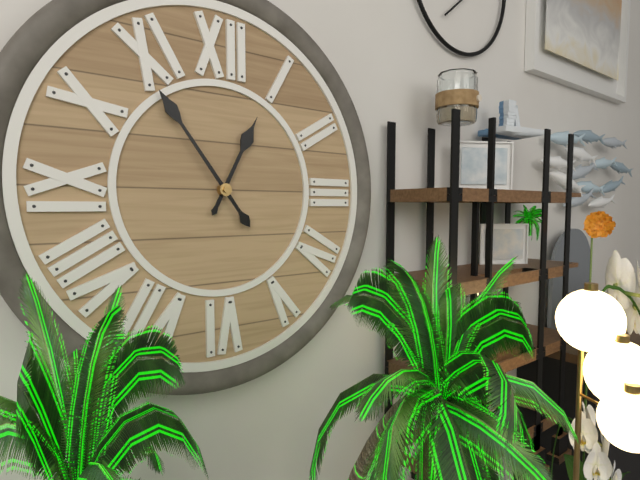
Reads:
h=12 m=54
